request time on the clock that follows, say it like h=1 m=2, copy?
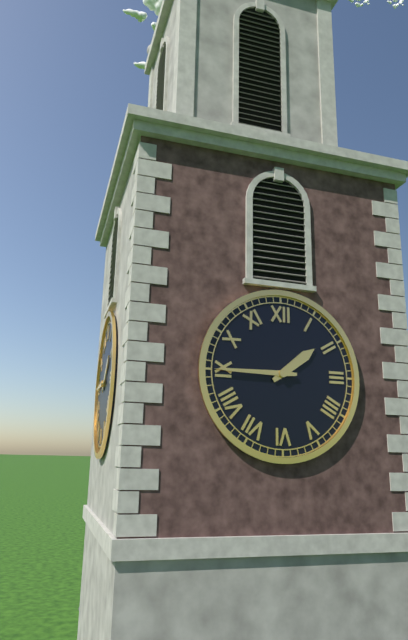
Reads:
h=1 m=45
